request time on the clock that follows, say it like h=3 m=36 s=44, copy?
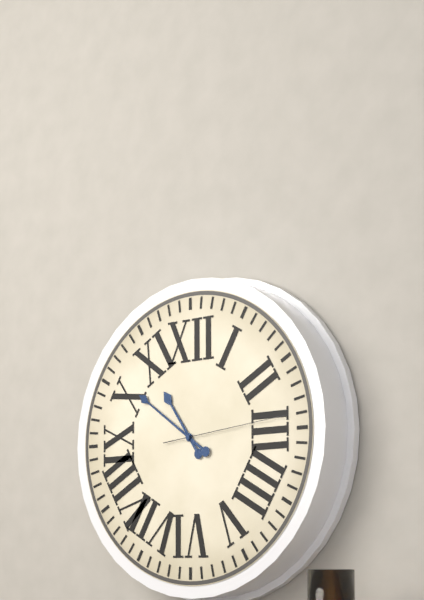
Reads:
h=10 m=51 s=14
